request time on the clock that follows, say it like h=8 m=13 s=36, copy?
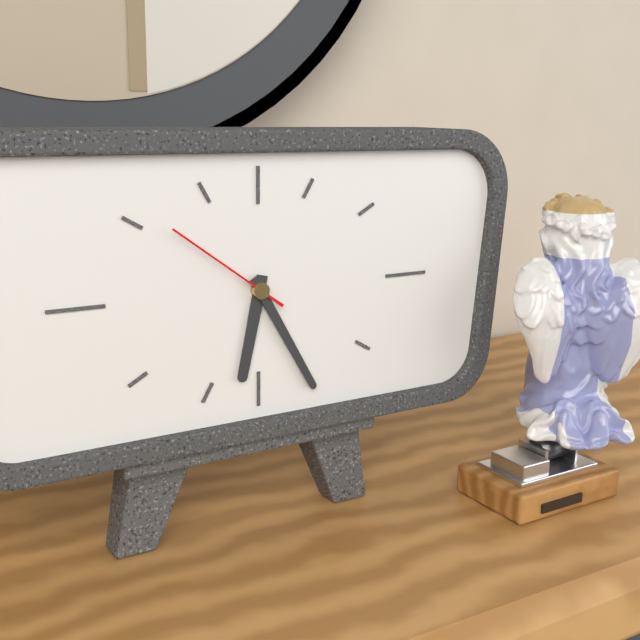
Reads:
h=6 m=25 s=51
